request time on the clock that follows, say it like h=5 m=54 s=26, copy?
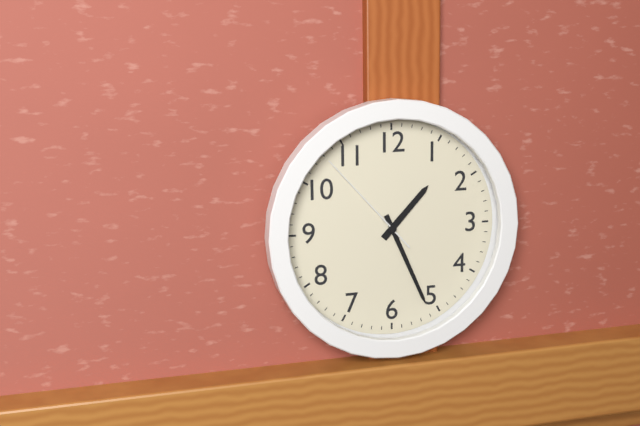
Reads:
h=1 m=26 s=53
